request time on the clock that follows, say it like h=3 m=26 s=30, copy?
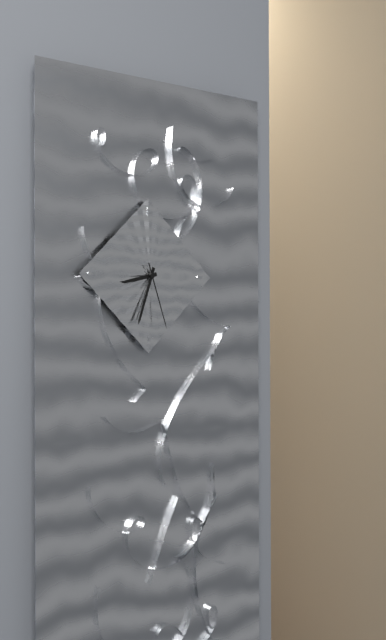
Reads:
h=8 m=33 s=27
